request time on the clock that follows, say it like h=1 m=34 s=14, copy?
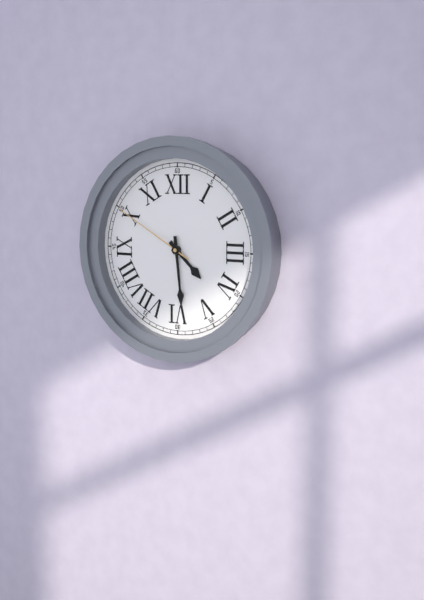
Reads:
h=4 m=29 s=50
